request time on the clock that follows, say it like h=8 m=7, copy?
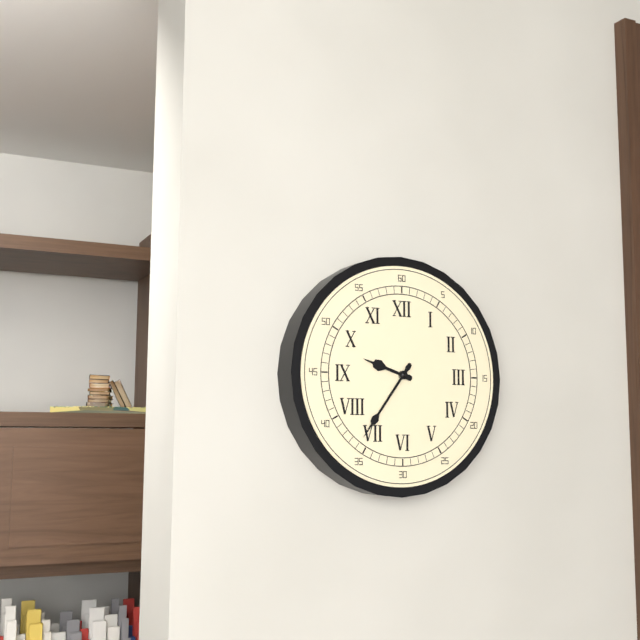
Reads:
h=9 m=36
